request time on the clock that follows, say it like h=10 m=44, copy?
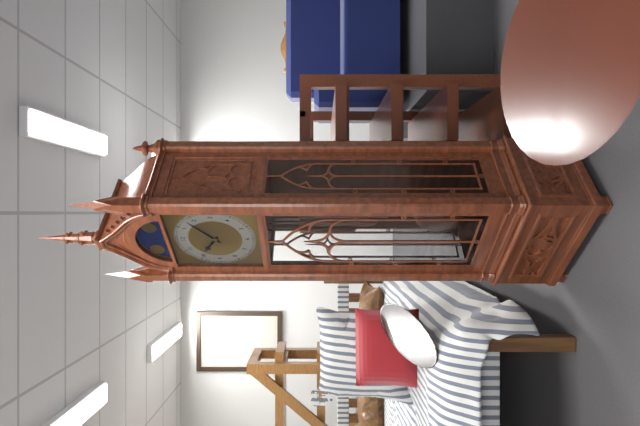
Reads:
h=10 m=8
